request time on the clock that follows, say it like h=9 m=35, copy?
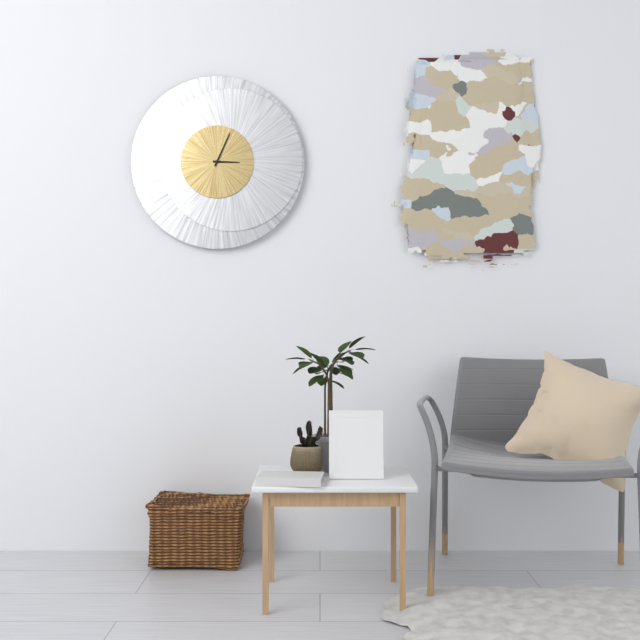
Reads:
h=3 m=4
